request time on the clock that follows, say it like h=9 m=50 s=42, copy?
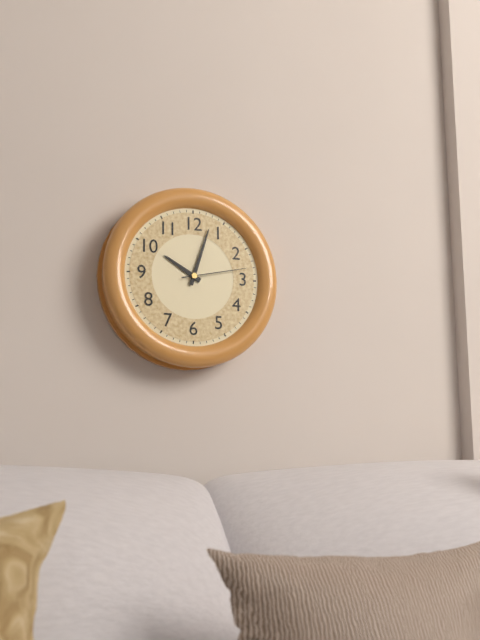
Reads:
h=10 m=3 s=13
